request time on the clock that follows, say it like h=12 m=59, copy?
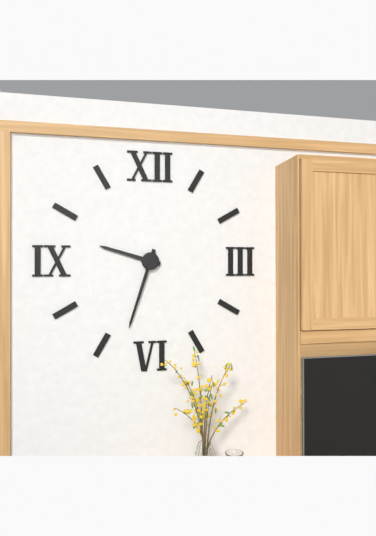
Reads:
h=9 m=33
